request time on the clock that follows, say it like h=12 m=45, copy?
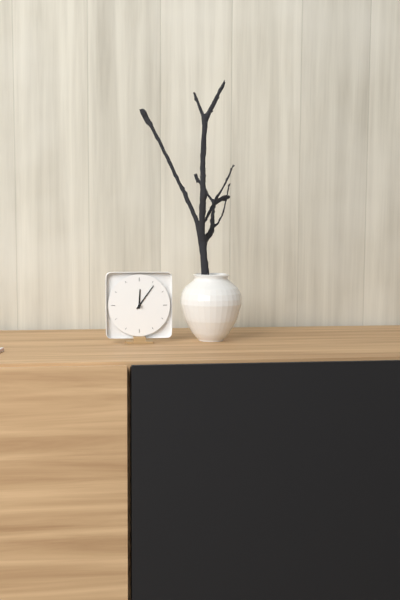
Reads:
h=12 m=6
